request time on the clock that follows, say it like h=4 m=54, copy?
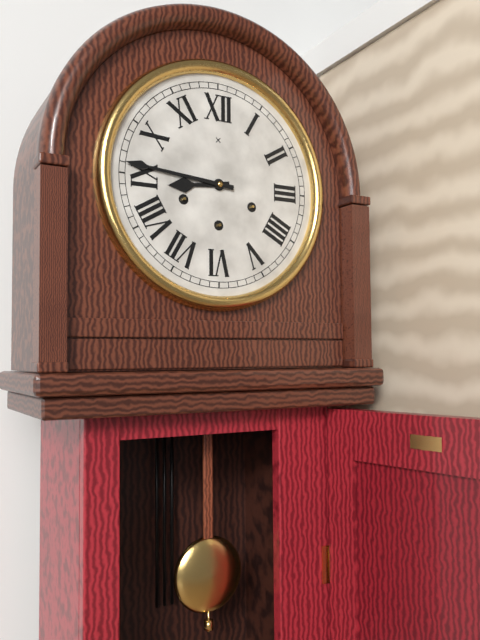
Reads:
h=8 m=46
